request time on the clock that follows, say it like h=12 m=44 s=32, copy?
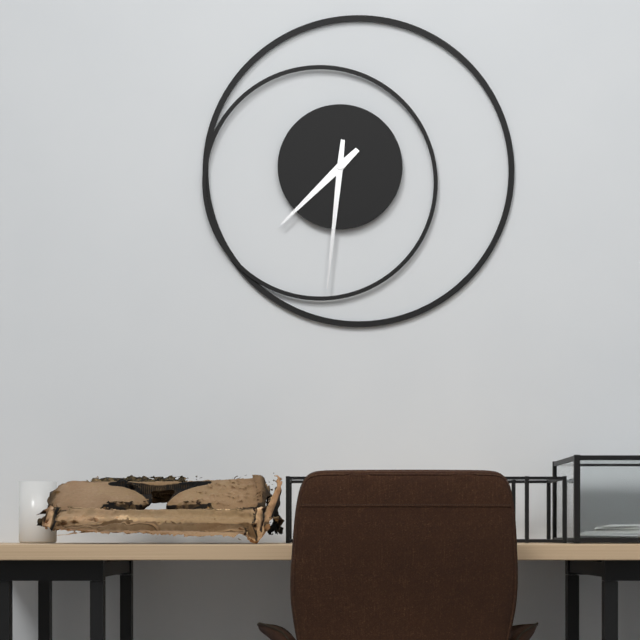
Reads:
h=7 m=31 s=31
